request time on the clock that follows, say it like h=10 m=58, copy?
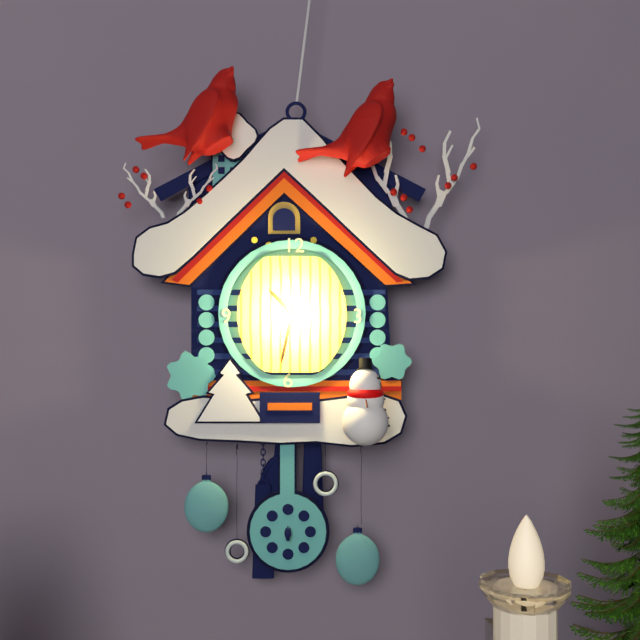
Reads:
h=10 m=32
